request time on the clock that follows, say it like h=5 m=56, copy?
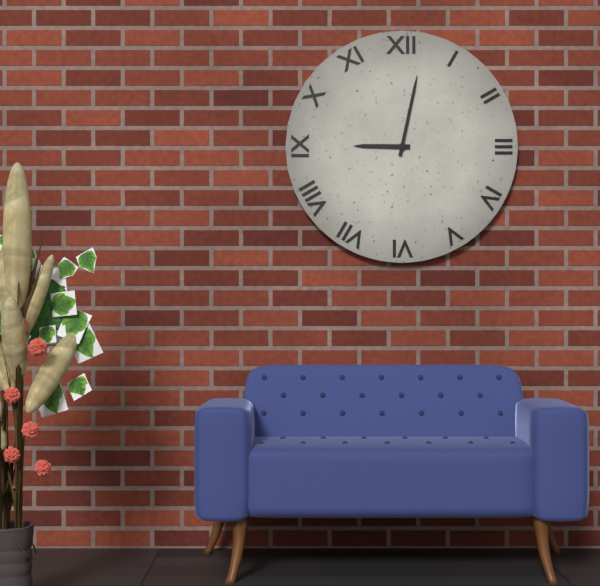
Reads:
h=9 m=2
